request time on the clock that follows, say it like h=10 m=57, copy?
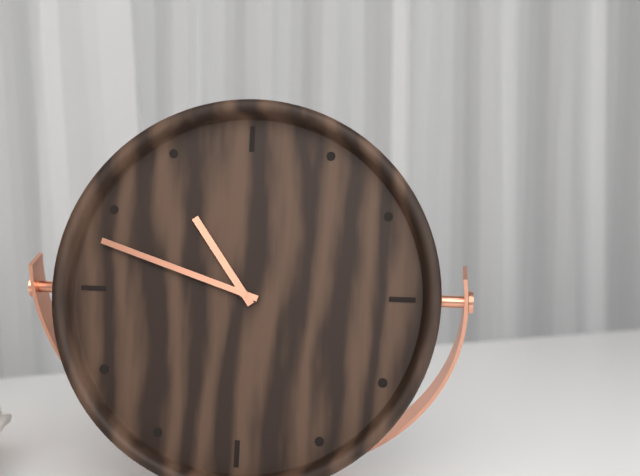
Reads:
h=10 m=48
